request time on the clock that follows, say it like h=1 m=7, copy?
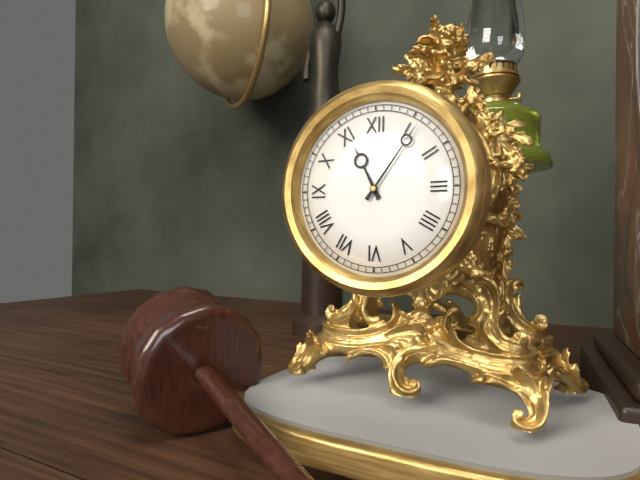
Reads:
h=11 m=6
